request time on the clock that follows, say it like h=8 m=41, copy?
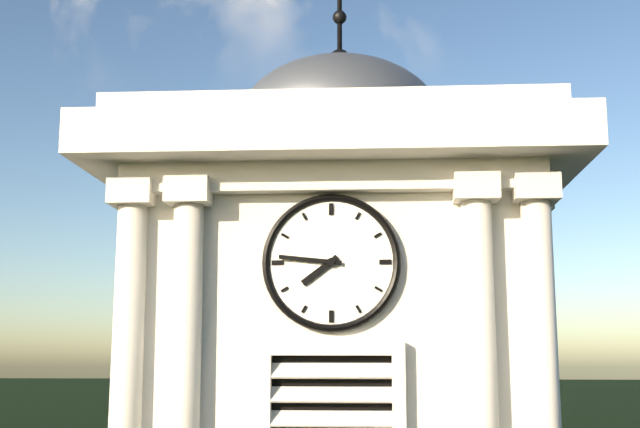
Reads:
h=7 m=46
